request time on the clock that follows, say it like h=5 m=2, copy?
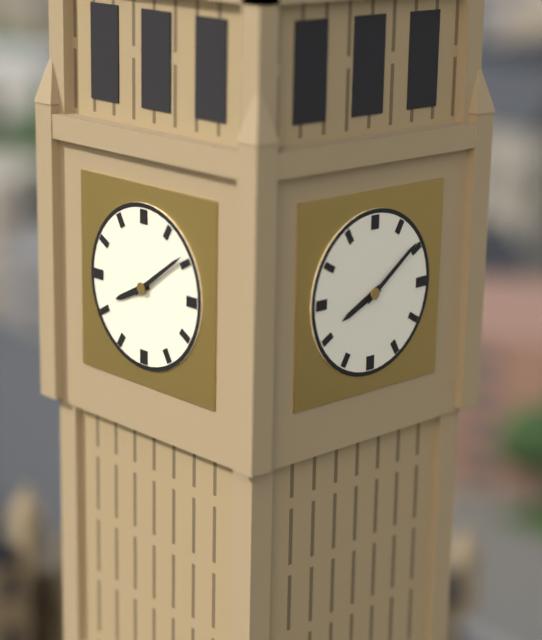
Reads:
h=8 m=9
